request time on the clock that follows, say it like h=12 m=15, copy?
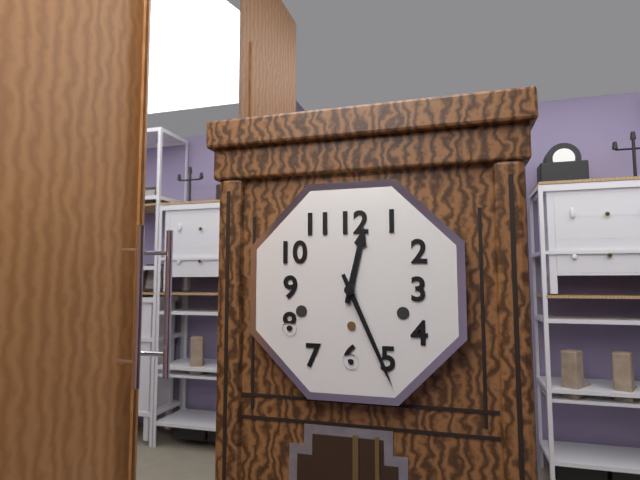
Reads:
h=12 m=26
